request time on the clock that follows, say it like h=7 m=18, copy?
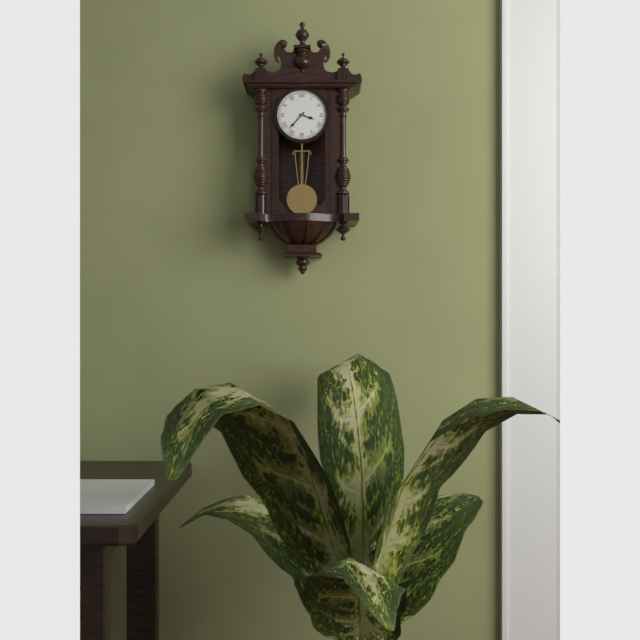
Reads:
h=3 m=37
